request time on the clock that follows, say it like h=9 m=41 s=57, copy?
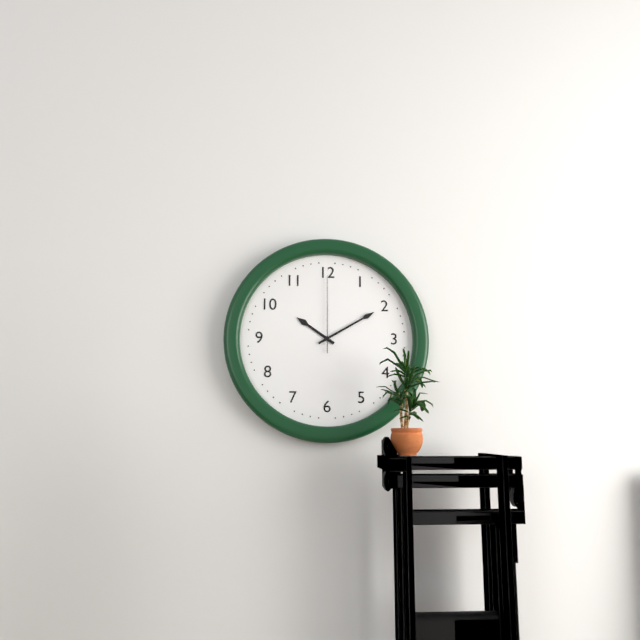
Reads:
h=10 m=10 s=0
